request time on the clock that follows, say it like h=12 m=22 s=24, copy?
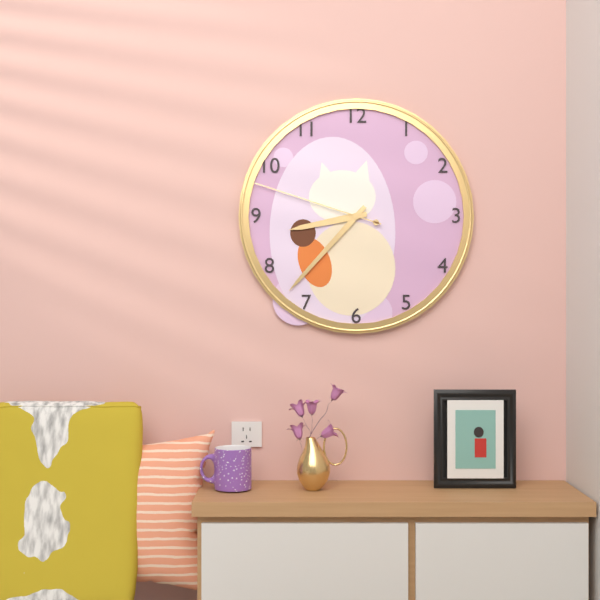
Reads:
h=8 m=37 s=48
